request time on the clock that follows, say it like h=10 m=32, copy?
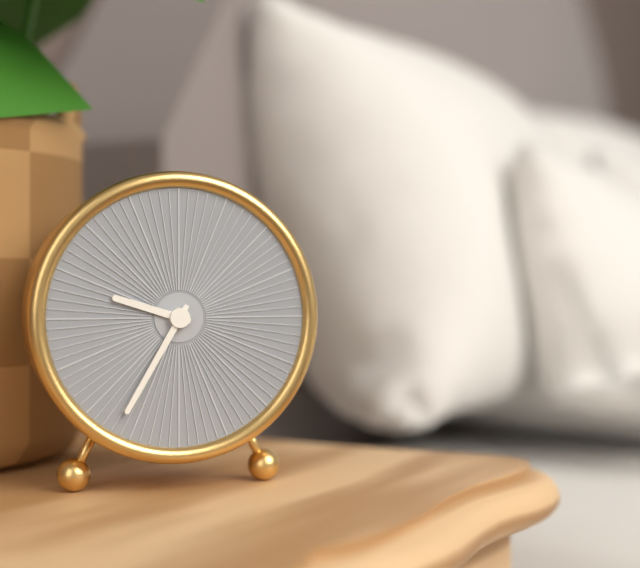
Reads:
h=9 m=35
